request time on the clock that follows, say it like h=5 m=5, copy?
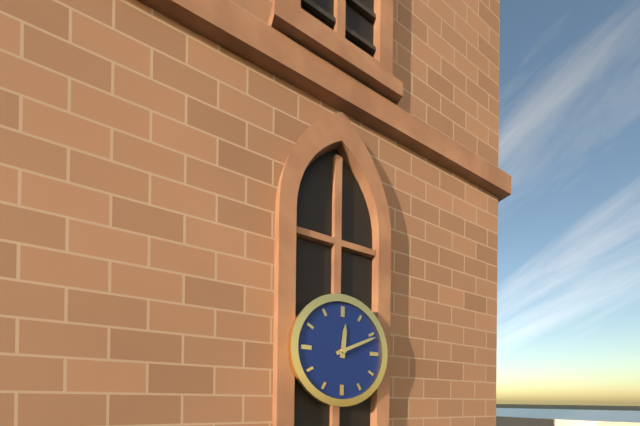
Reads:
h=12 m=11
